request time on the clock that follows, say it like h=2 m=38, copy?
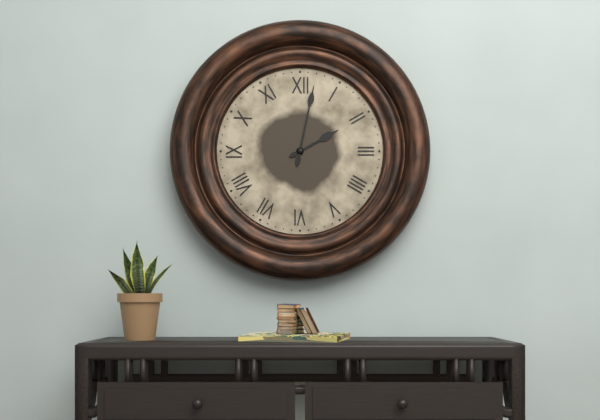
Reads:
h=2 m=2
